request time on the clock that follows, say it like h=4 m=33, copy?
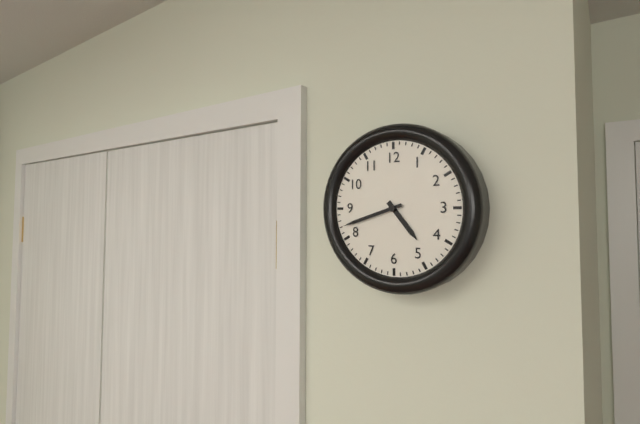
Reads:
h=4 m=42
